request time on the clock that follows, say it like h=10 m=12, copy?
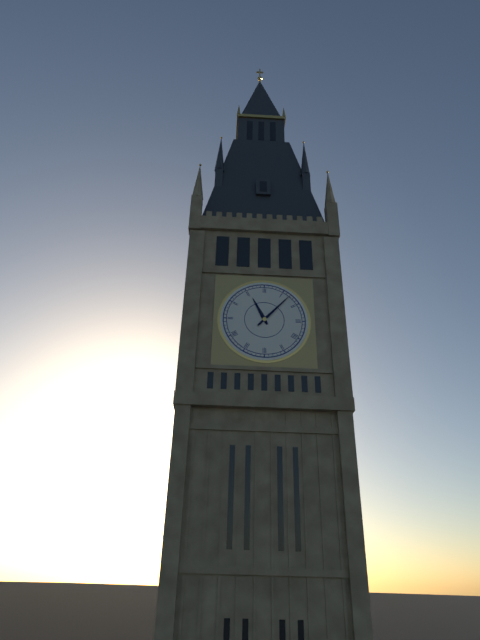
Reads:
h=11 m=7
